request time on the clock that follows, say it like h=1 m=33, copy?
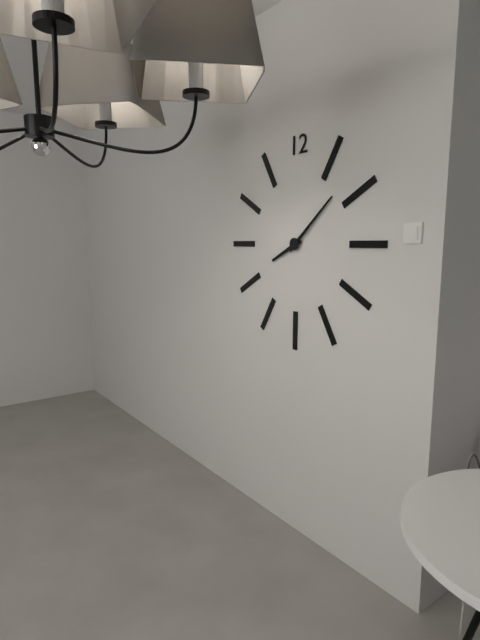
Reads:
h=8 m=8
